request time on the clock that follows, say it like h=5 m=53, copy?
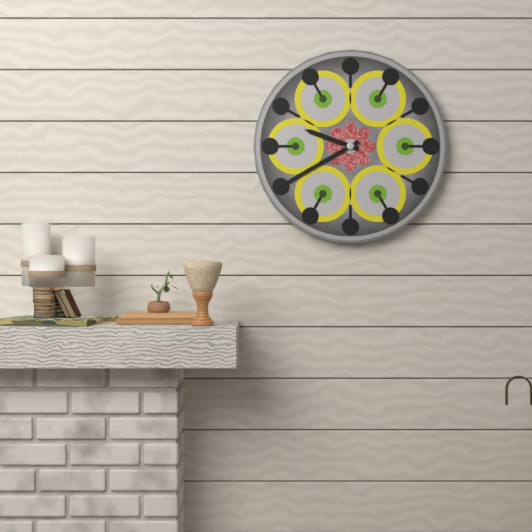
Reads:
h=9 m=40
